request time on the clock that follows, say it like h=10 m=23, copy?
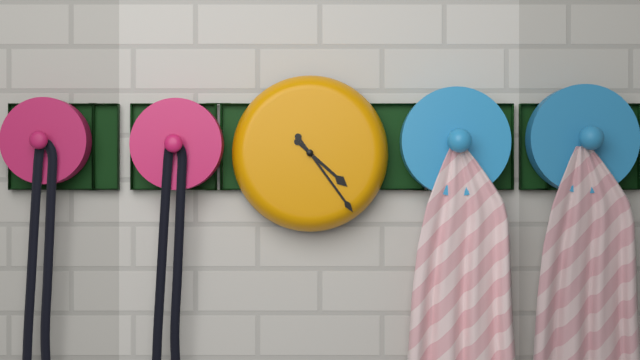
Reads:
h=4 m=24
